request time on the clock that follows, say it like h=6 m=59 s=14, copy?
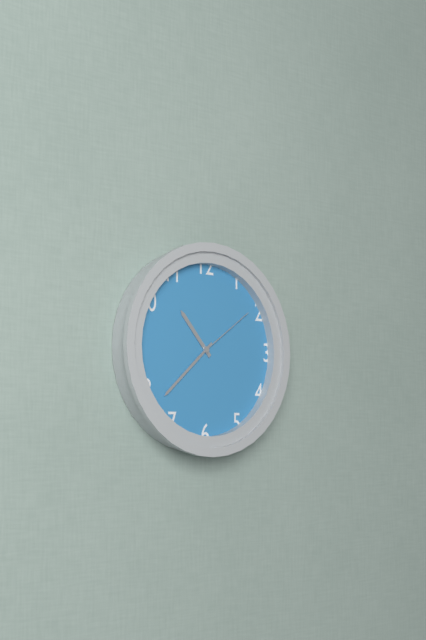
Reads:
h=10 m=38 s=9
